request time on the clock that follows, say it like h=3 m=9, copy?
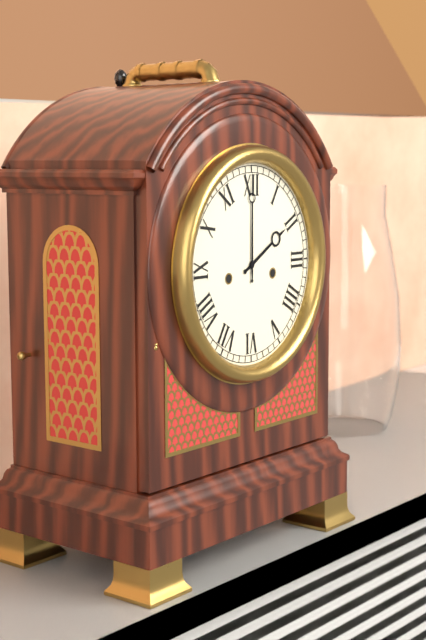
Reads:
h=2 m=0
